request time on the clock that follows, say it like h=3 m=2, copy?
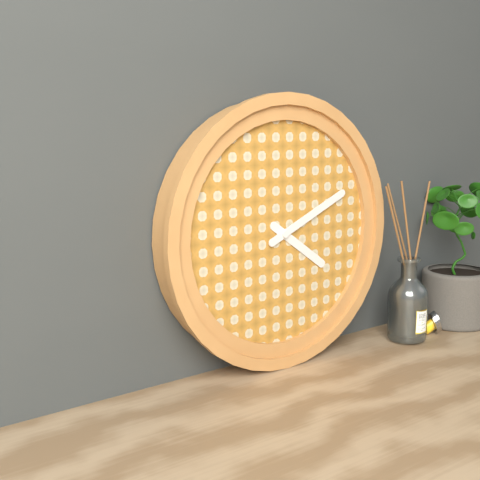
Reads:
h=4 m=11
